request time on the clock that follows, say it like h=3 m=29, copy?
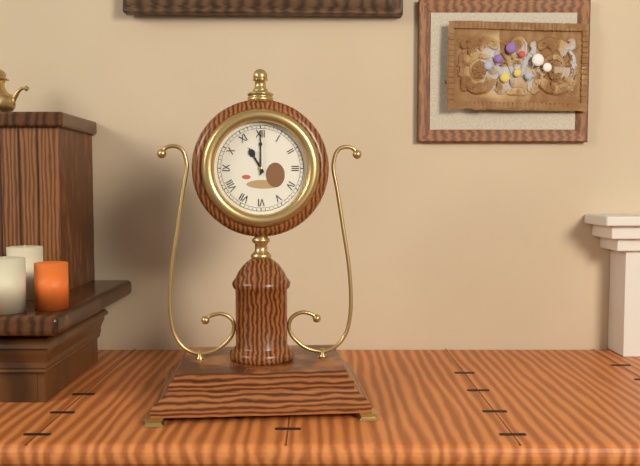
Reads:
h=11 m=0
